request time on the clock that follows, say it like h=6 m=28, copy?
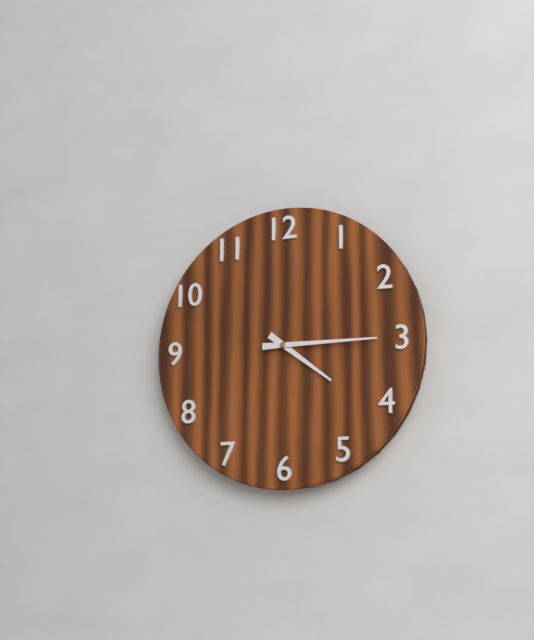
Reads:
h=4 m=15
